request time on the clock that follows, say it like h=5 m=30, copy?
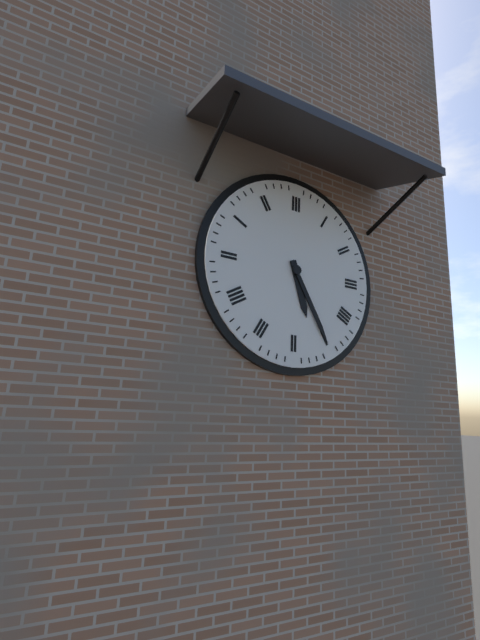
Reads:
h=5 m=25
